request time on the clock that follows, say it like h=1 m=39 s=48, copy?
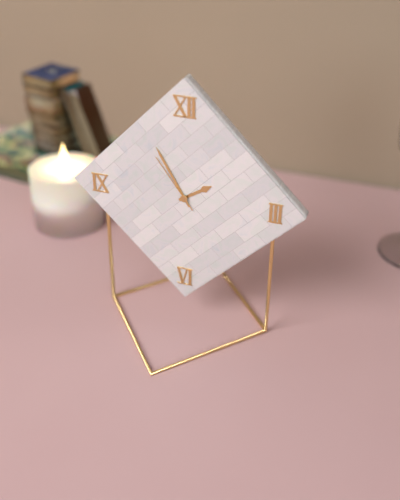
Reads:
h=1 m=55 s=54
